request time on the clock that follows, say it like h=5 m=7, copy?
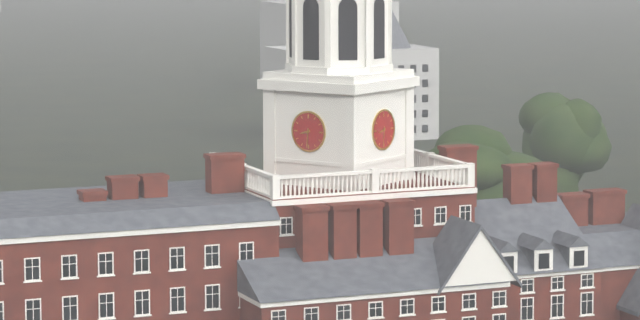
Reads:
h=8 m=31
